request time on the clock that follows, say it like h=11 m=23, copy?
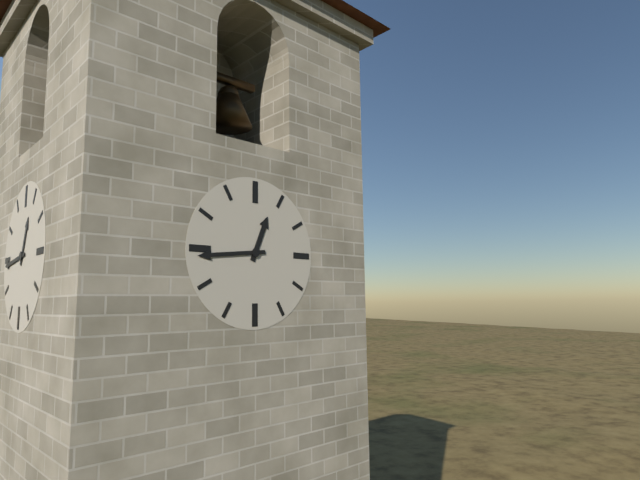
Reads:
h=12 m=44
